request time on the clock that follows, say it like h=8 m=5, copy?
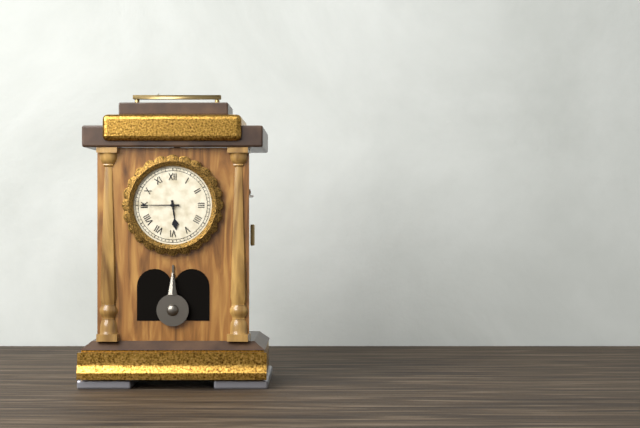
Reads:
h=5 m=45
